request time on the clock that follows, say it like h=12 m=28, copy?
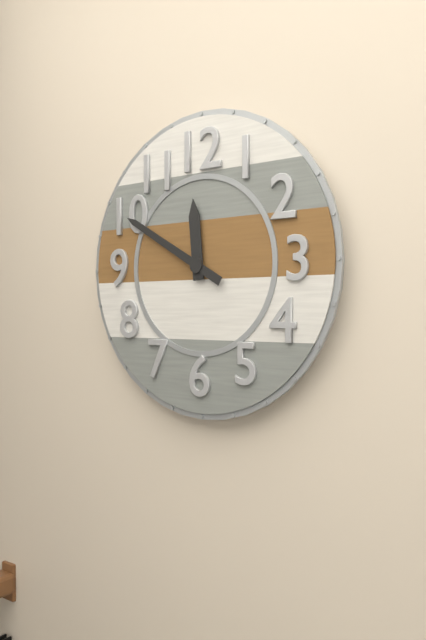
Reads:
h=11 m=50
